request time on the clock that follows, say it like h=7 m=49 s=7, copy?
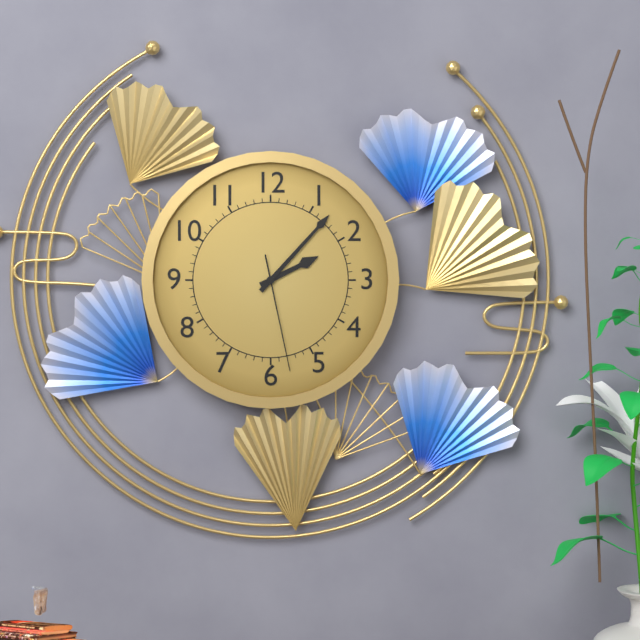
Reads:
h=2 m=7 s=28
